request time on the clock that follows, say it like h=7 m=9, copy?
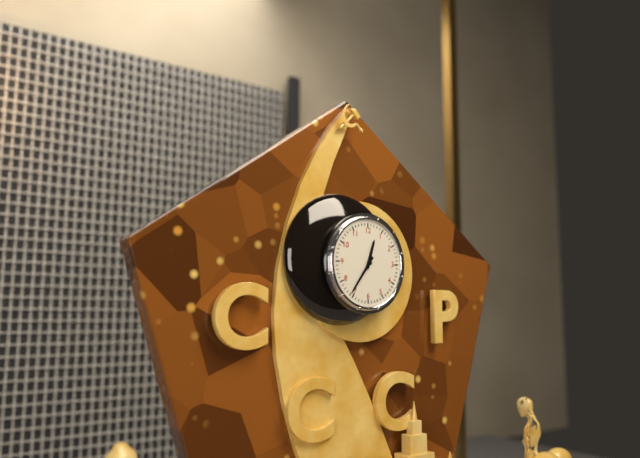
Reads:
h=12 m=36
